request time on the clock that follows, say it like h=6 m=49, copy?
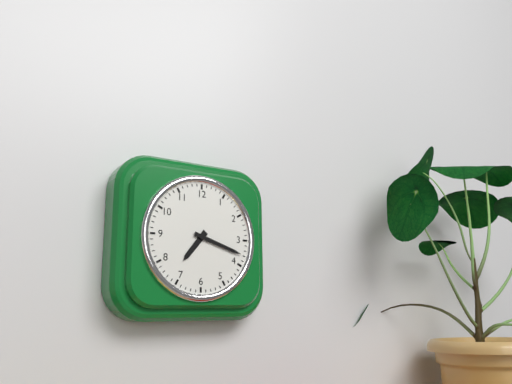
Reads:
h=7 m=18
